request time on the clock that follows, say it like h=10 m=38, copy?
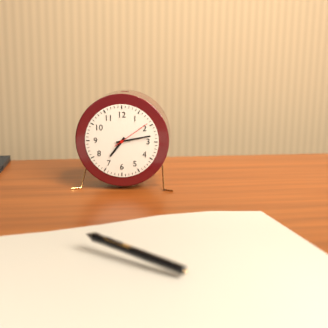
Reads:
h=7 m=13
